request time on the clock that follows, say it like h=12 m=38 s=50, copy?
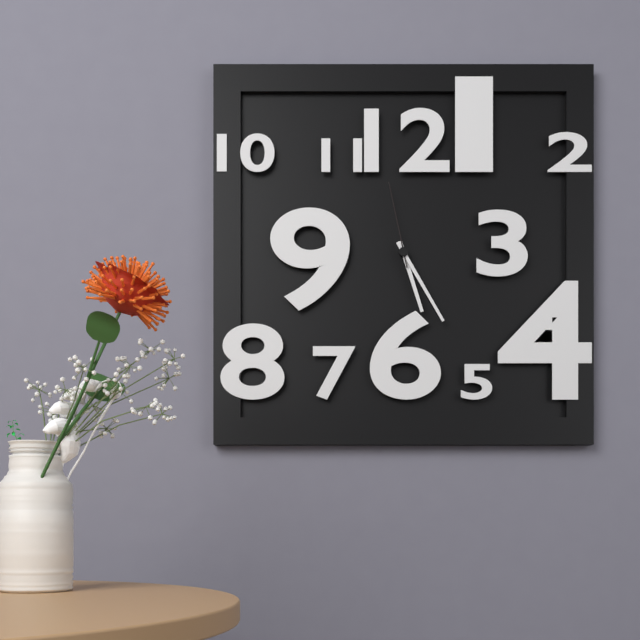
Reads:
h=5 m=25 s=58
